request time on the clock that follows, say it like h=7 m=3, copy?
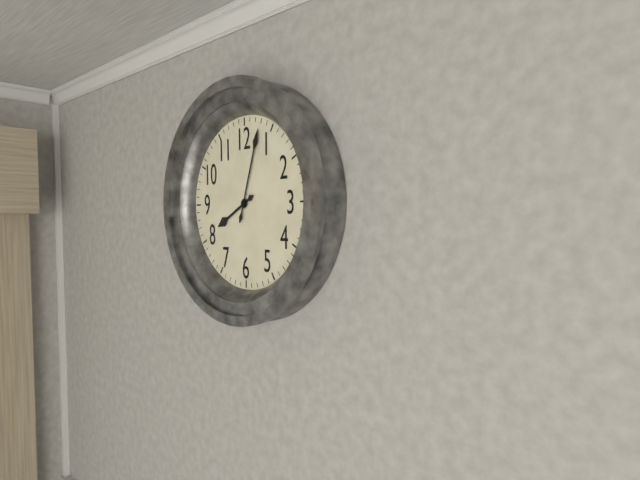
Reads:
h=8 m=3
